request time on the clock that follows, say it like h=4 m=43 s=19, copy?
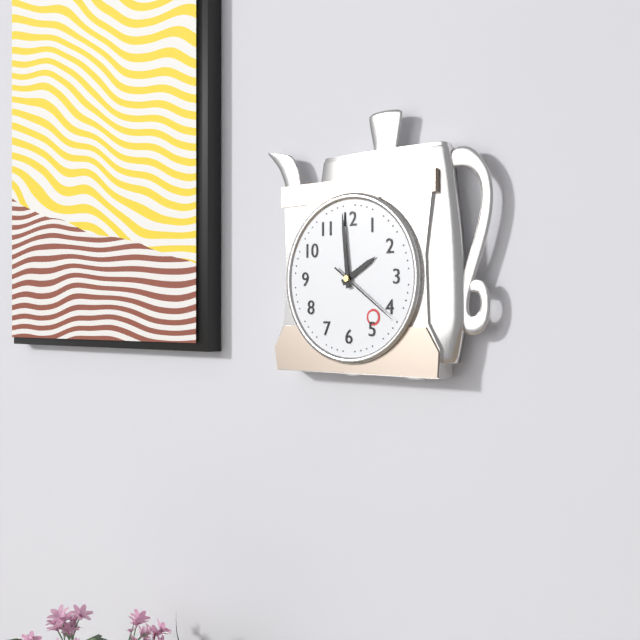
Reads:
h=1 m=59 s=21
